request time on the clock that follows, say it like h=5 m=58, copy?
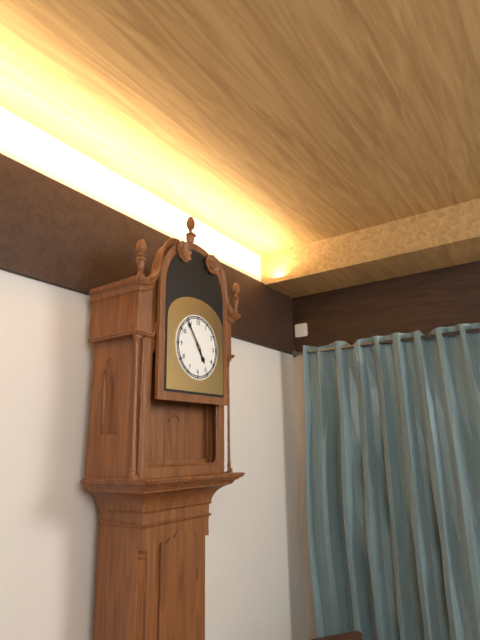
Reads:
h=4 m=54
